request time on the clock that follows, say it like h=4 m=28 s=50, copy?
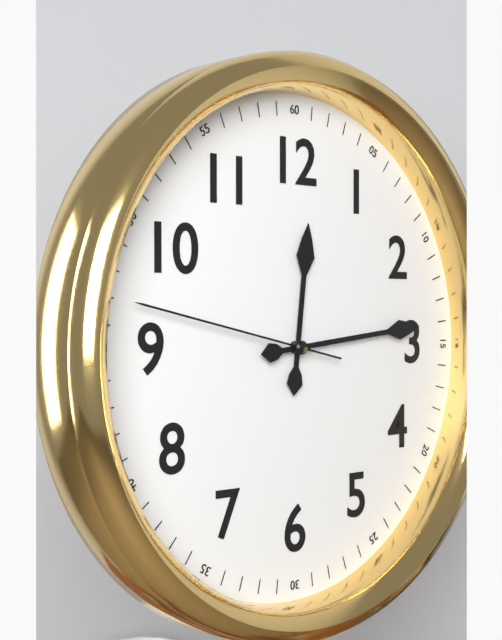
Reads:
h=12 m=14 s=47
